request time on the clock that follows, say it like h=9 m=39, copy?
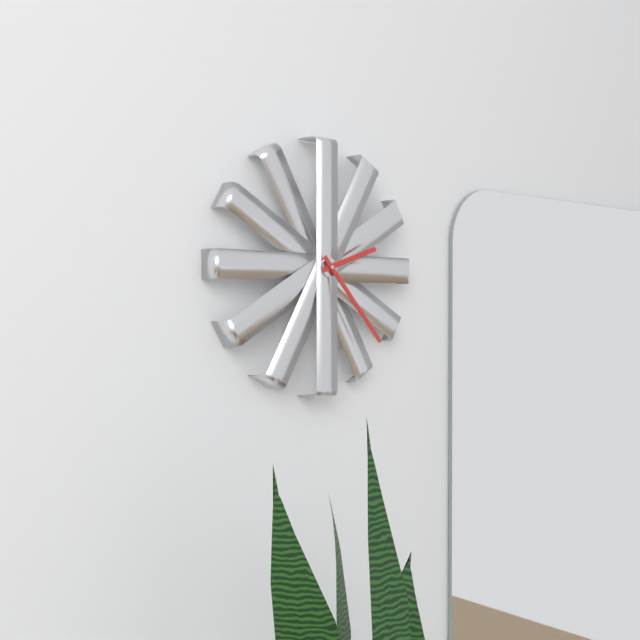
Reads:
h=2 m=23
